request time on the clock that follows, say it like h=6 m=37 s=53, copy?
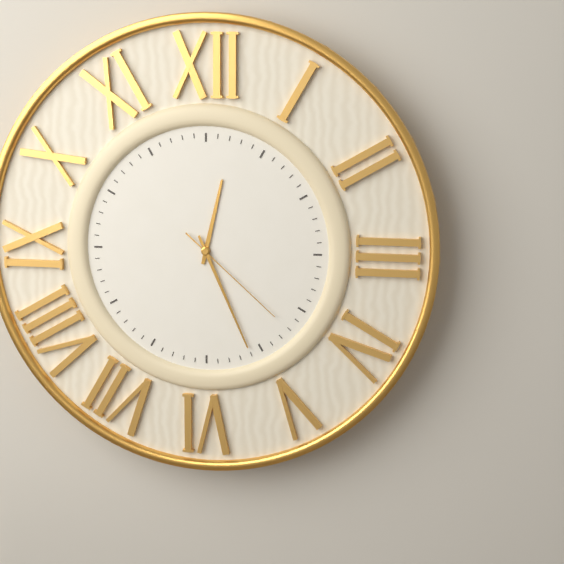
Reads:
h=12 m=26 s=22
